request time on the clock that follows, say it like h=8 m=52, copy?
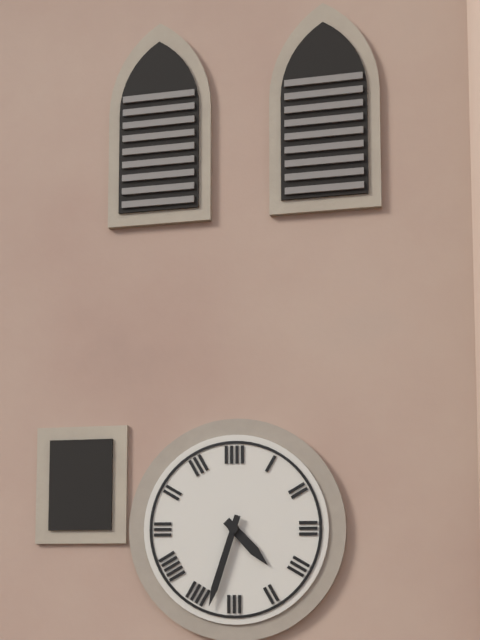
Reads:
h=4 m=33
